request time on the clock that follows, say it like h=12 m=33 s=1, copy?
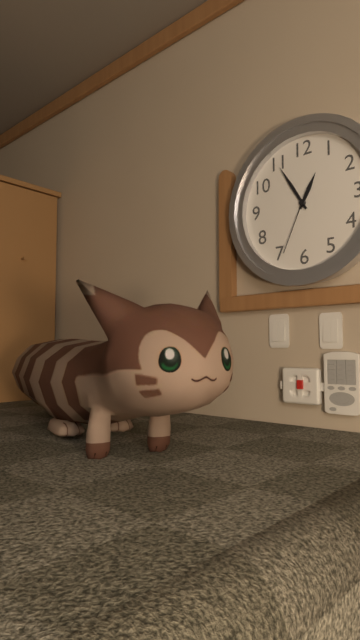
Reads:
h=12 m=55 s=34
